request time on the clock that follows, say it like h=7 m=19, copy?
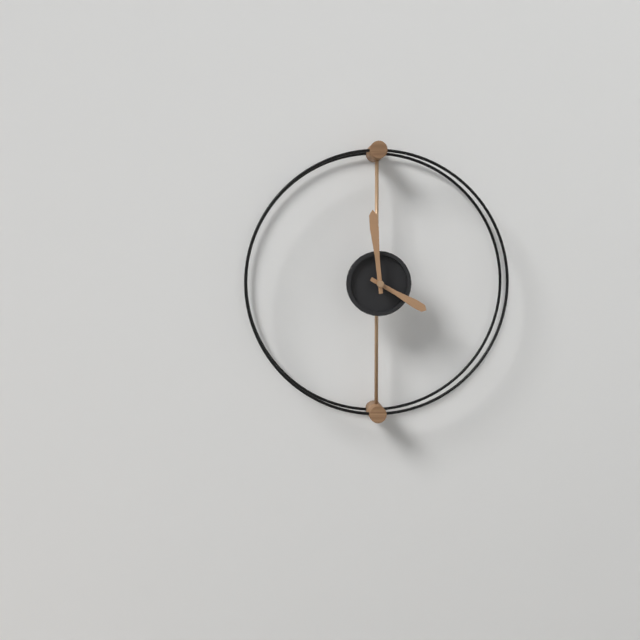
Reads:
h=3 m=59
